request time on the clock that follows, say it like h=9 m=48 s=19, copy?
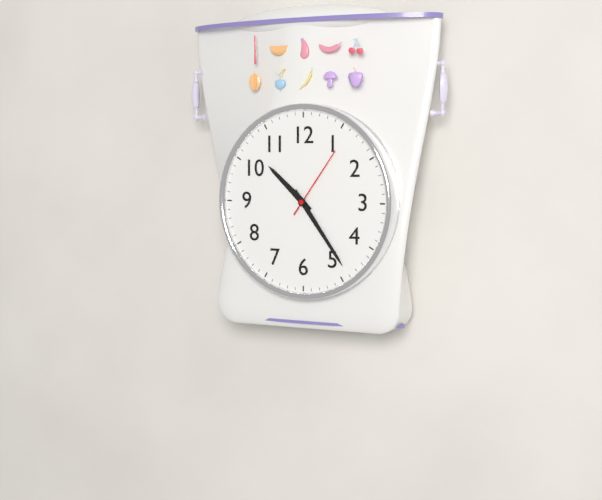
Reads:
h=10 m=24 s=6
